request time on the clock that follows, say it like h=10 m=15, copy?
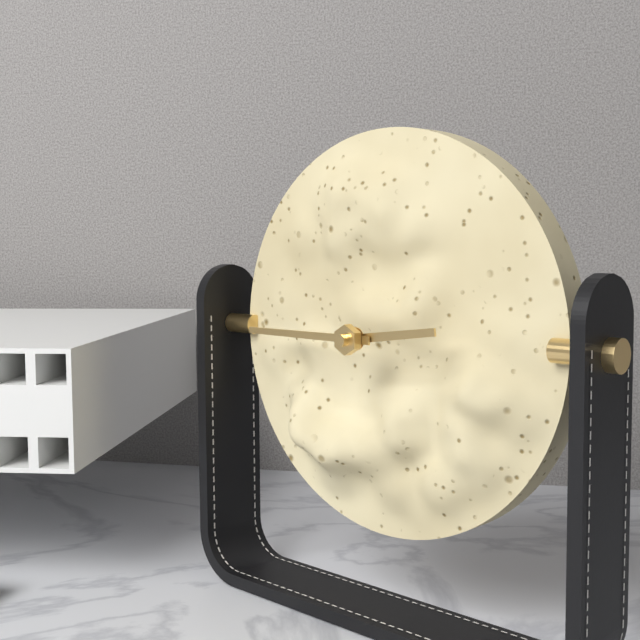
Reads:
h=2 m=45
